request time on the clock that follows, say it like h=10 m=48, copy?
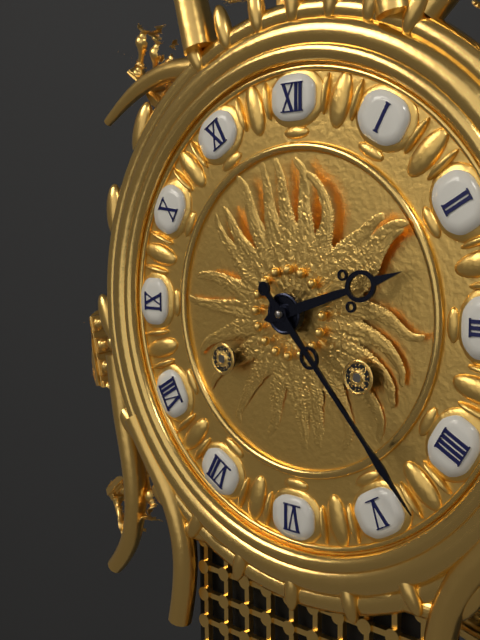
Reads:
h=2 m=23
